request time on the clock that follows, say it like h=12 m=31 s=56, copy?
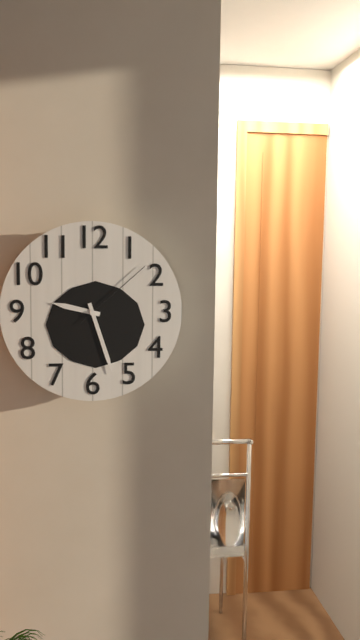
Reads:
h=9 m=27 s=8
